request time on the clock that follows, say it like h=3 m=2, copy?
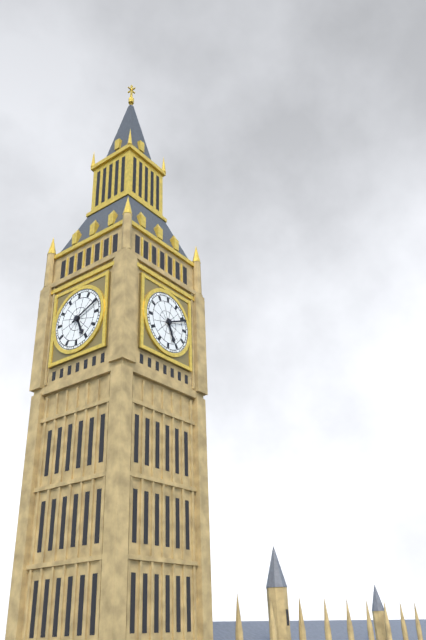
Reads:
h=5 m=11
